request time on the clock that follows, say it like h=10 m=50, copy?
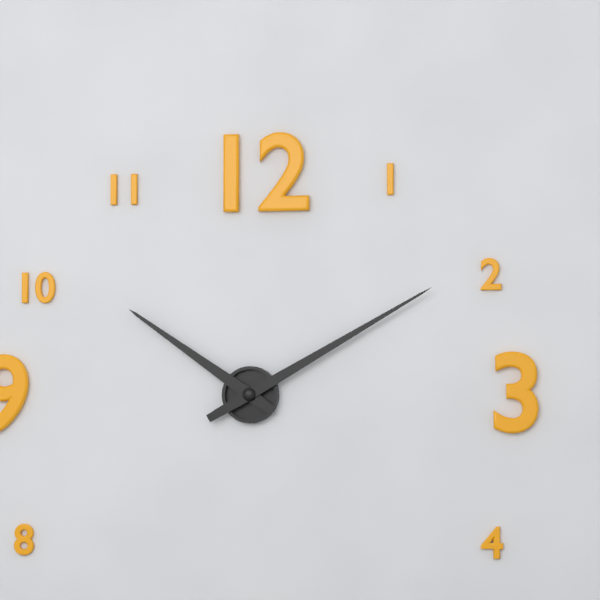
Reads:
h=10 m=10
